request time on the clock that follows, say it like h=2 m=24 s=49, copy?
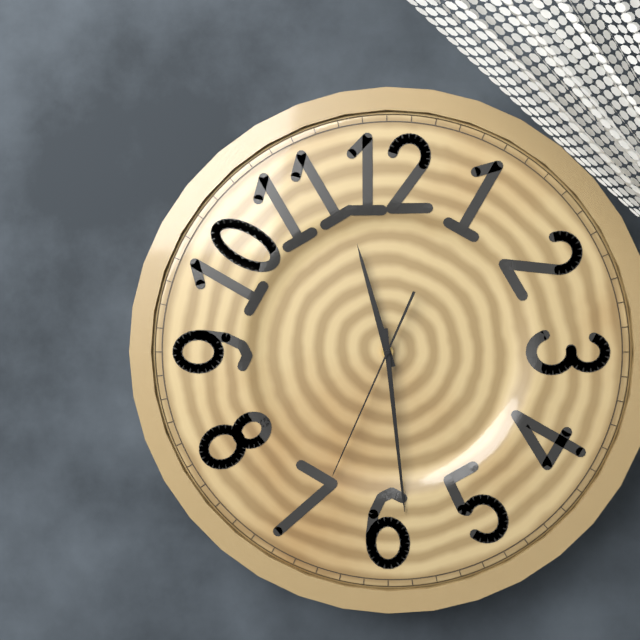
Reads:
h=11 m=29 s=34
